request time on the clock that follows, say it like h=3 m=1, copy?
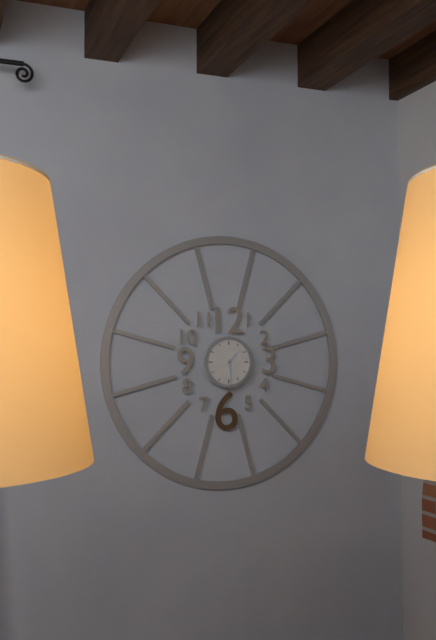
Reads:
h=1 m=29
